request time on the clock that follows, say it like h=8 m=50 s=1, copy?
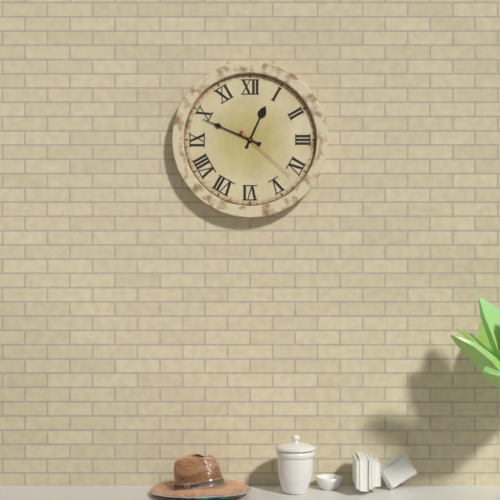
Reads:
h=12 m=49 s=22
